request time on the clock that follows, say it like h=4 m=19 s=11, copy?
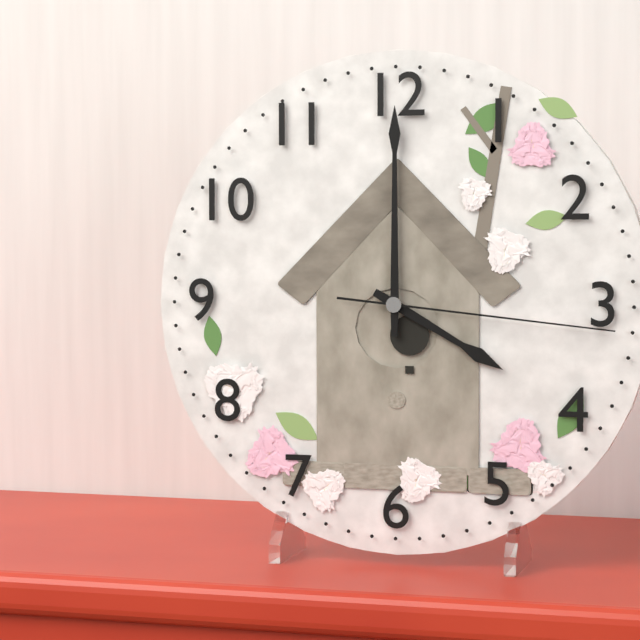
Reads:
h=4 m=0 s=16
